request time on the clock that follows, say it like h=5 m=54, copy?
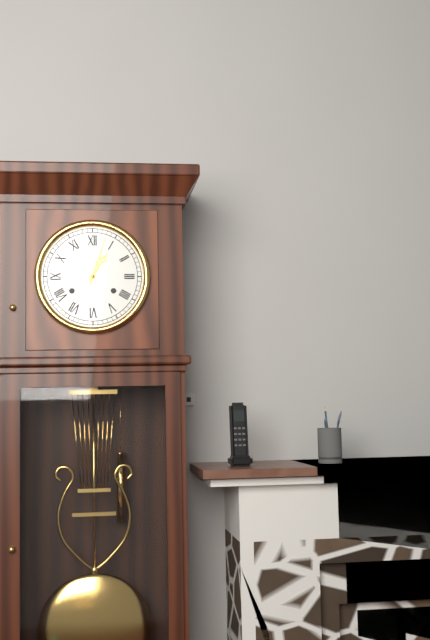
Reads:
h=1 m=3
